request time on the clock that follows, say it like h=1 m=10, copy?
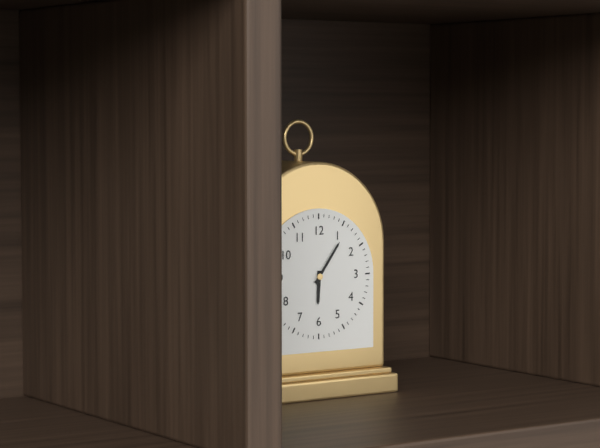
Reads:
h=6 m=6
